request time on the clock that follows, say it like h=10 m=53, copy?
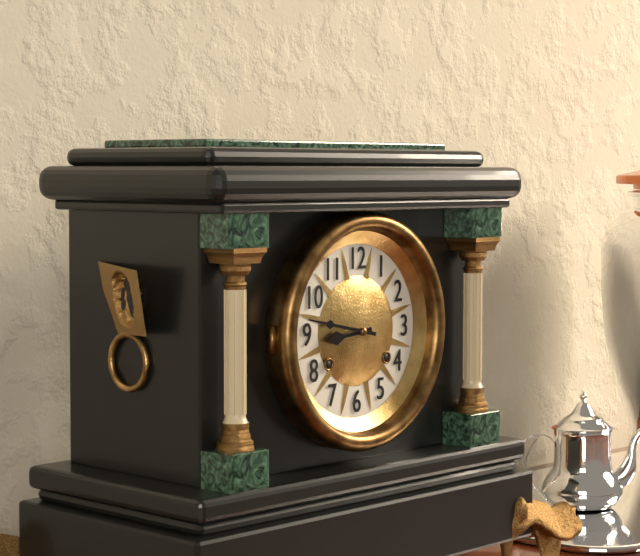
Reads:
h=8 m=47
